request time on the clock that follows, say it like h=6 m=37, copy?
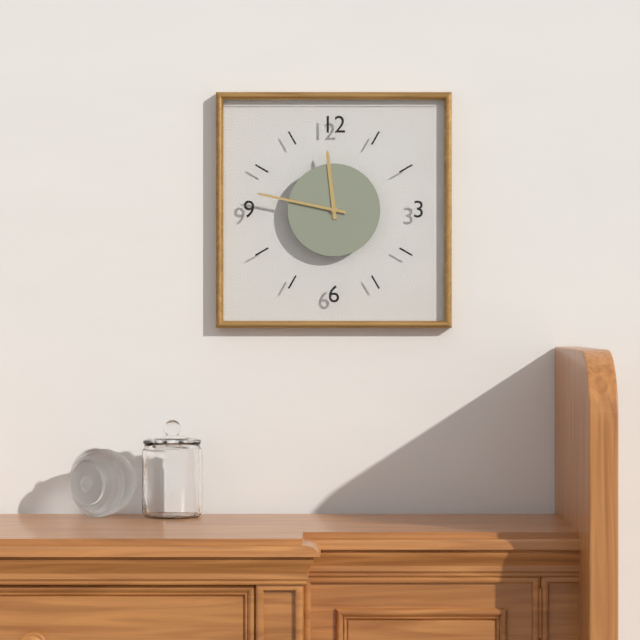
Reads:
h=11 m=47
